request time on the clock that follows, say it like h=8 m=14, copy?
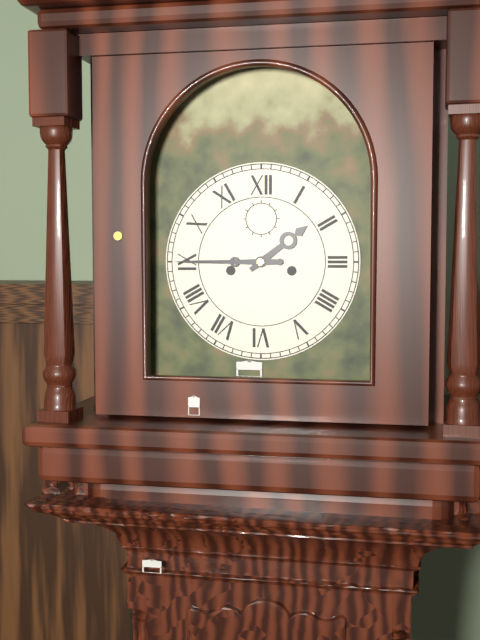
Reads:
h=1 m=45
